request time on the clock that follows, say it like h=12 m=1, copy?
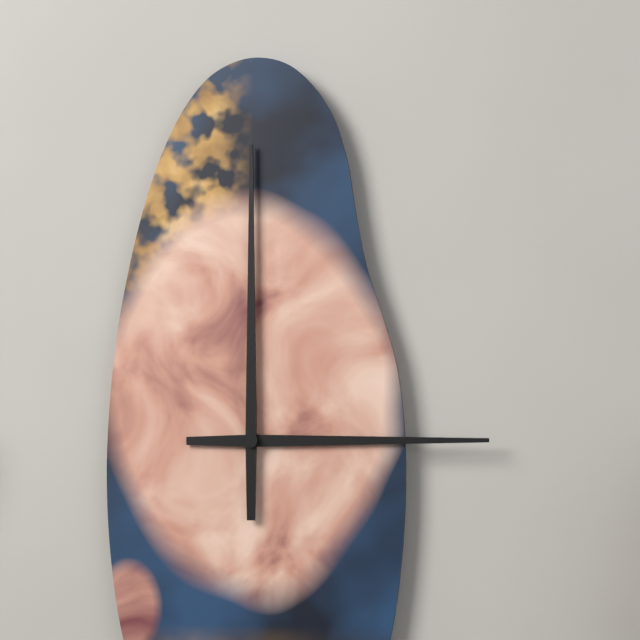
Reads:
h=3 m=0
